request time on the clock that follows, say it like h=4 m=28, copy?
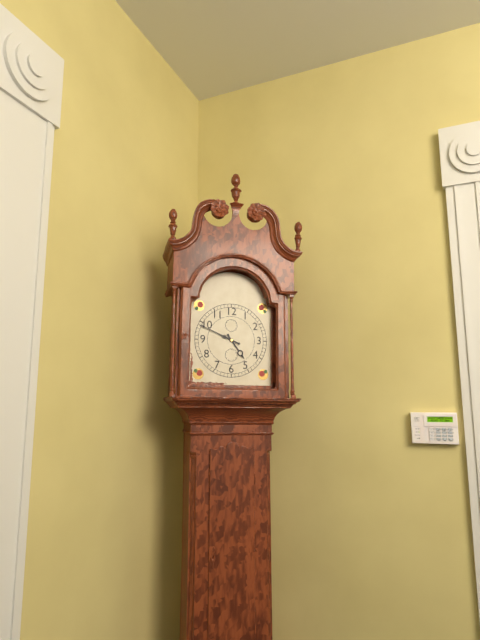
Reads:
h=4 m=49
